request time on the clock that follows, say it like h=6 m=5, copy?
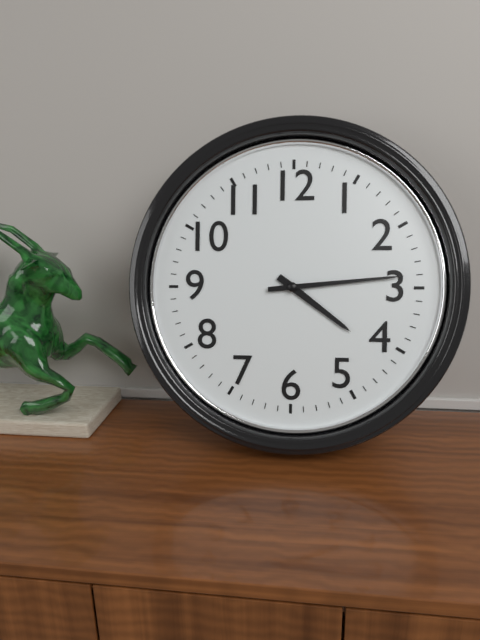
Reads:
h=4 m=14
